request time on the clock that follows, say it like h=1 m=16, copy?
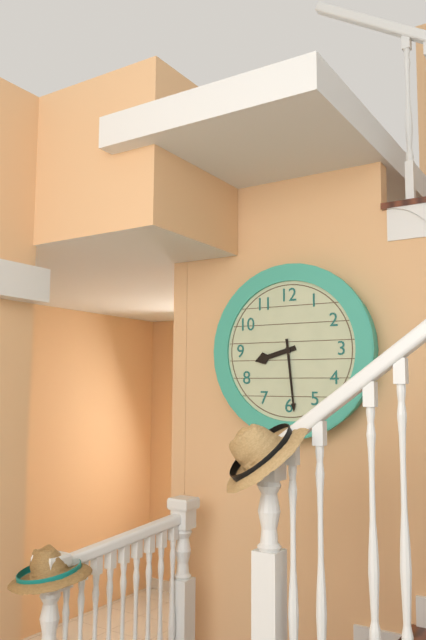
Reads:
h=8 m=29
